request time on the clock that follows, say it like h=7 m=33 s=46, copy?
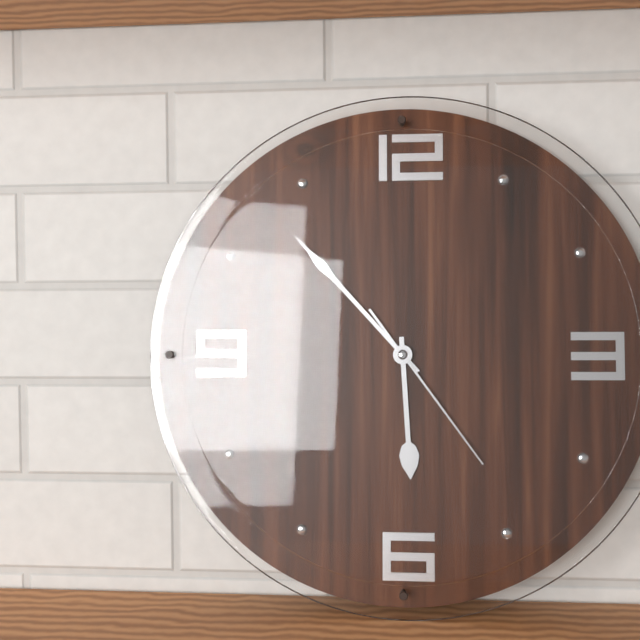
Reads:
h=5 m=53 s=24
